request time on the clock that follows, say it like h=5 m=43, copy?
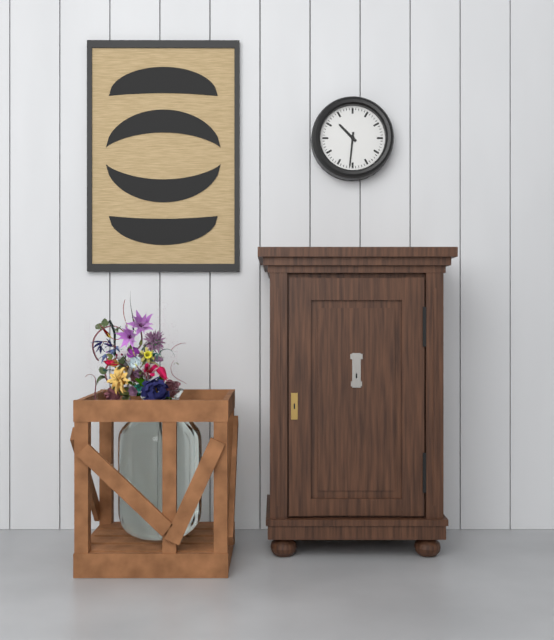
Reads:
h=10 m=31
